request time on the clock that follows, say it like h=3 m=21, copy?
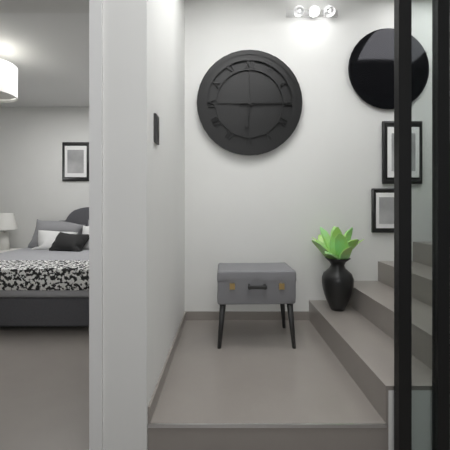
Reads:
h=6 m=15
